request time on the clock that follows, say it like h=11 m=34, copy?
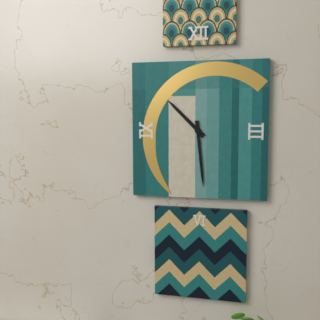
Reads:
h=10 m=29
